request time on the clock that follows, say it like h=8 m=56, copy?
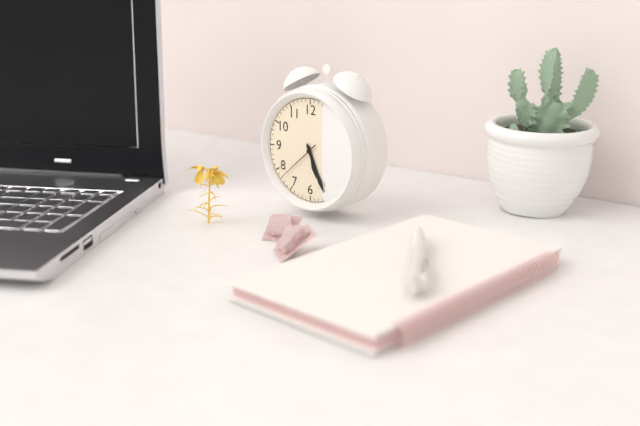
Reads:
h=5 m=26
